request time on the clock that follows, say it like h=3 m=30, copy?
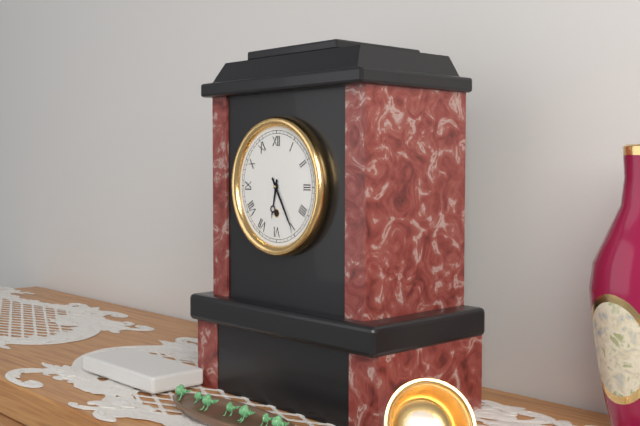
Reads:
h=6 m=25
